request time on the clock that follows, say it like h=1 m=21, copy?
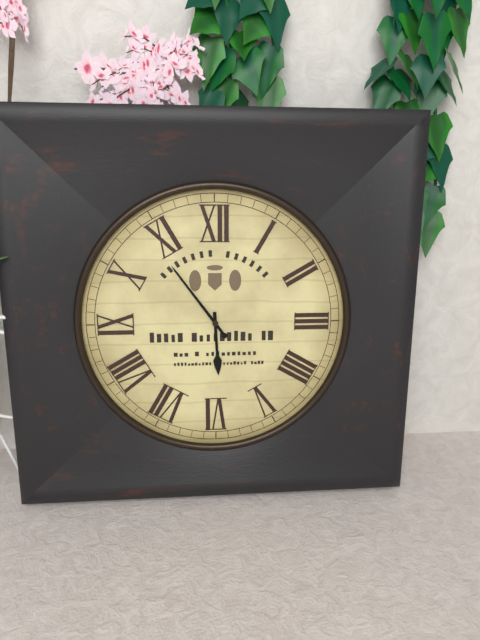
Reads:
h=5 m=54
